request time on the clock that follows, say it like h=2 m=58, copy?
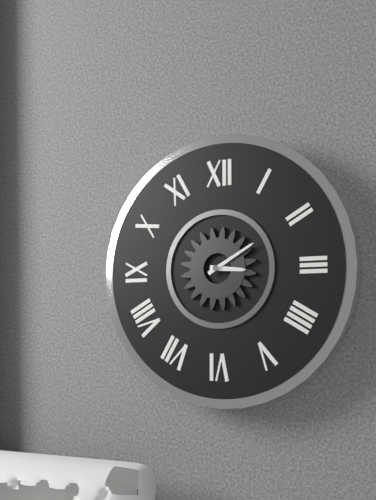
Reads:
h=3 m=10
